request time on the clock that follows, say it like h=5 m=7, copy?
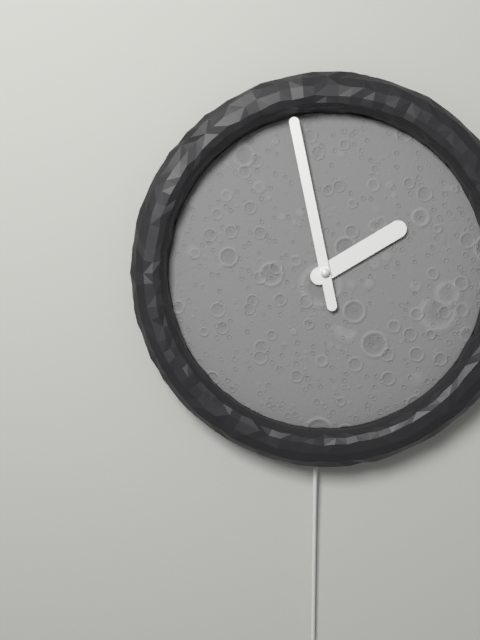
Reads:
h=1 m=58
